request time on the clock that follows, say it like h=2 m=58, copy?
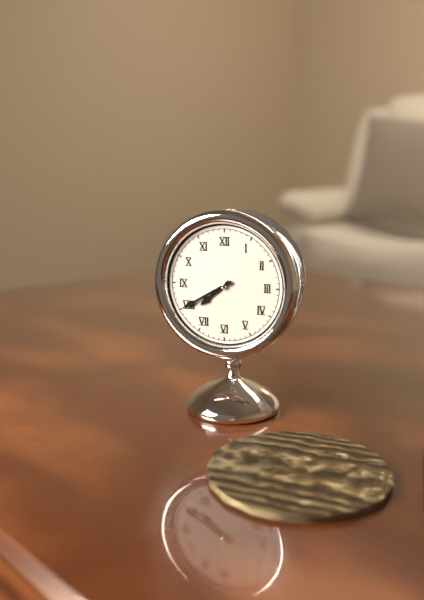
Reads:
h=7 m=40
